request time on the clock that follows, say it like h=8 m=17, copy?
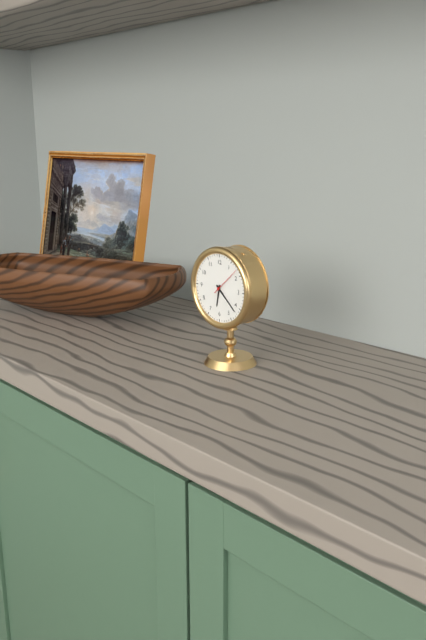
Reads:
h=6 m=22
